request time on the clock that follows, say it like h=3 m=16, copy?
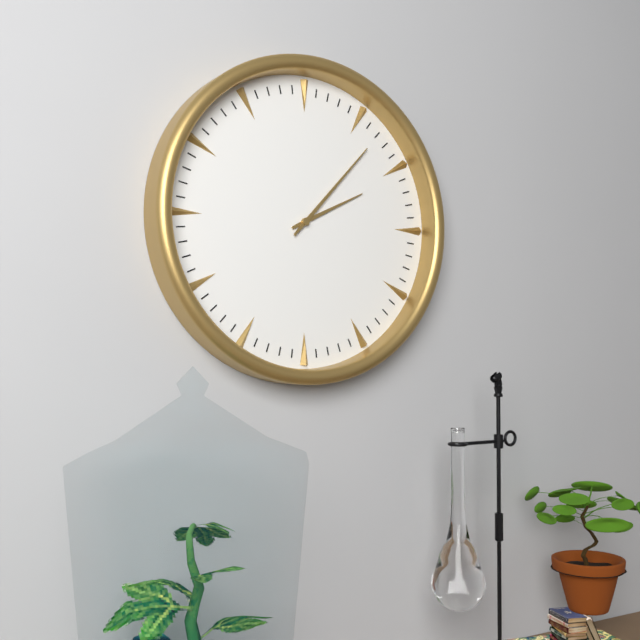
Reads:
h=2 m=7
